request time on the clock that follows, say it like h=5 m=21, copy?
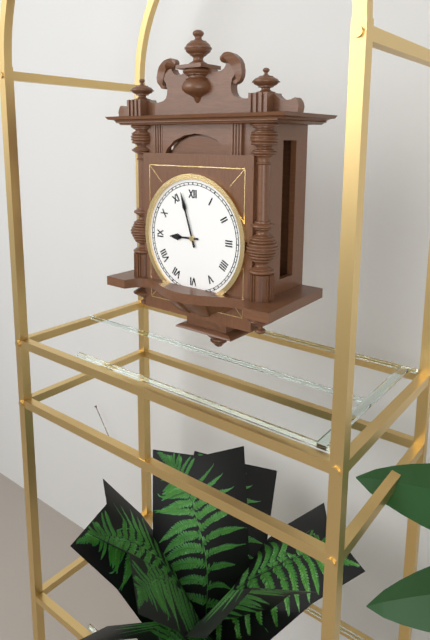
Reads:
h=8 m=57
